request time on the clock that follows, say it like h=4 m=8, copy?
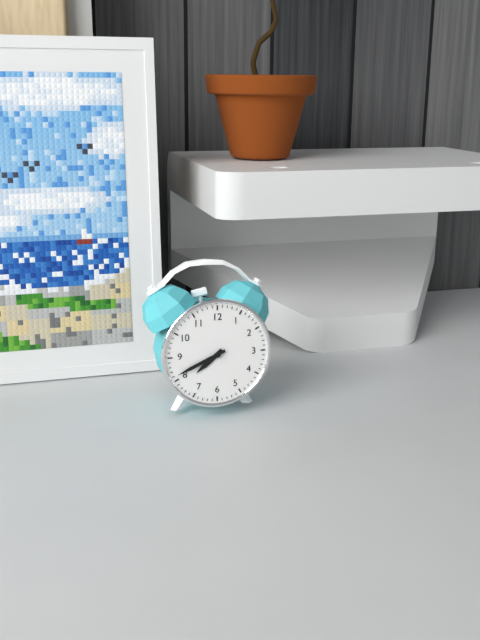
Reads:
h=7 m=41
